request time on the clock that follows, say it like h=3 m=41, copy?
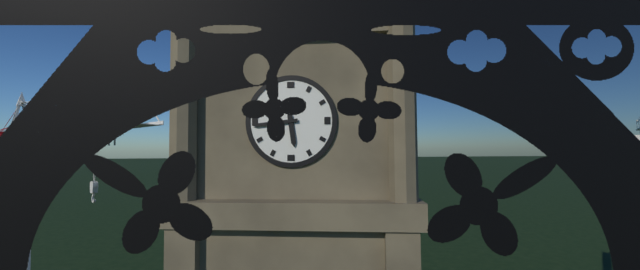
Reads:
h=5 m=44
